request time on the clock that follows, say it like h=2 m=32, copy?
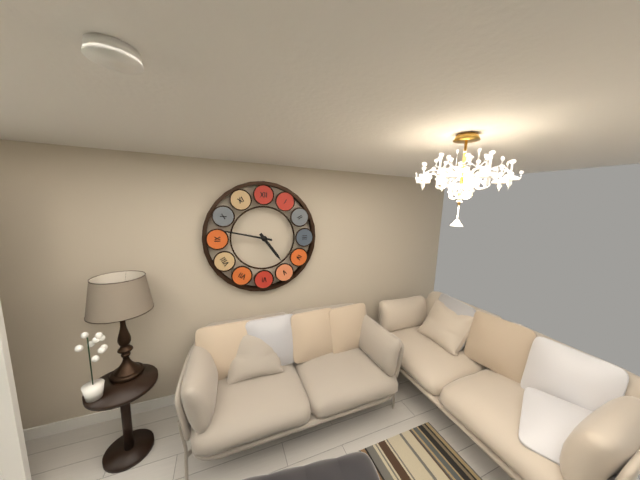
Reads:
h=4 m=47
